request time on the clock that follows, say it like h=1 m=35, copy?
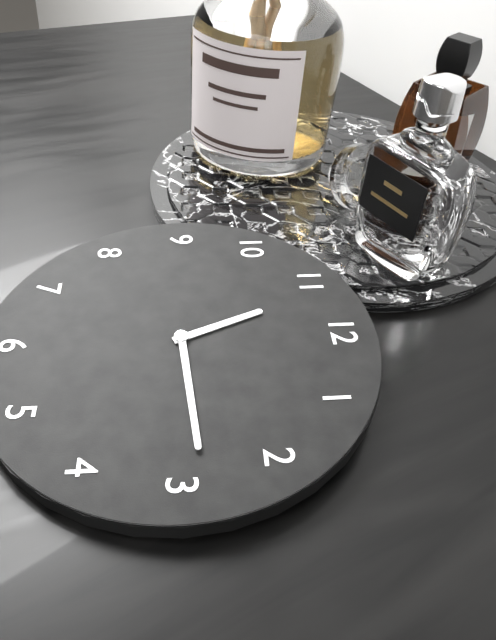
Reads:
h=11 m=14
